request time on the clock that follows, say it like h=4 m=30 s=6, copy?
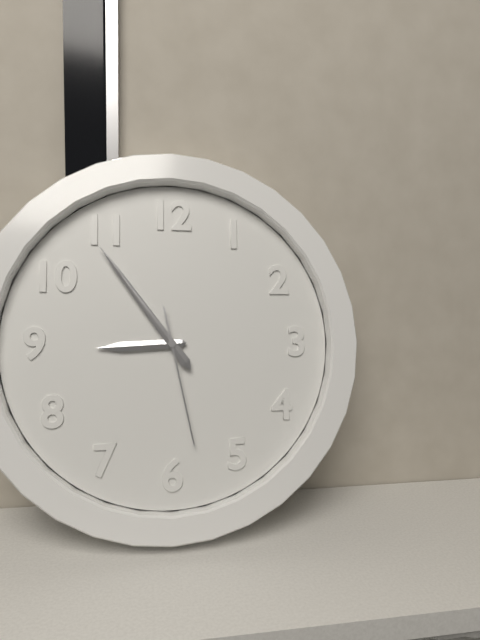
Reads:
h=8 m=54 s=28
